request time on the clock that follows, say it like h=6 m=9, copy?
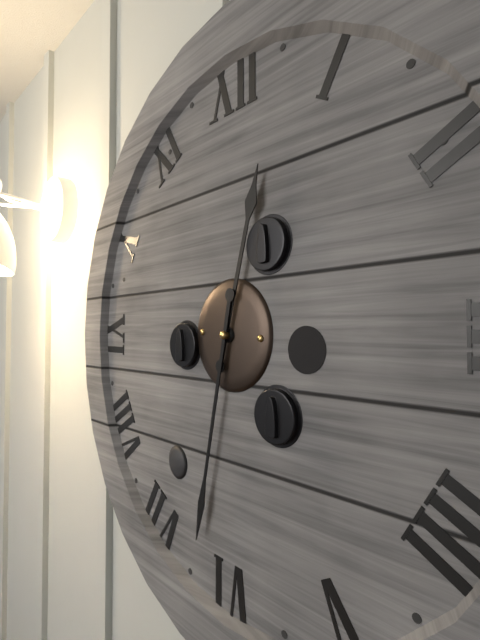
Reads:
h=12 m=32
